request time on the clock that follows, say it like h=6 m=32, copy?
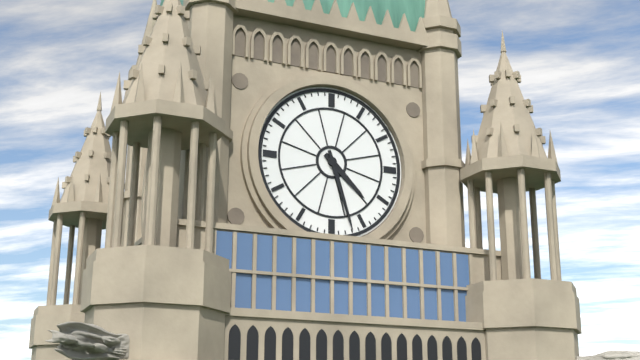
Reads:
h=4 m=27
